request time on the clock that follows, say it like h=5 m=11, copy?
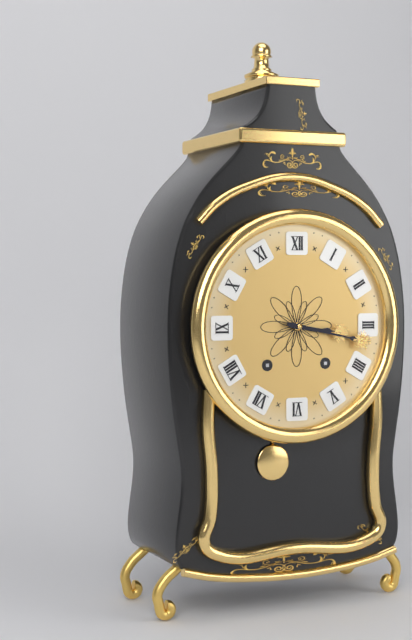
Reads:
h=3 m=17
